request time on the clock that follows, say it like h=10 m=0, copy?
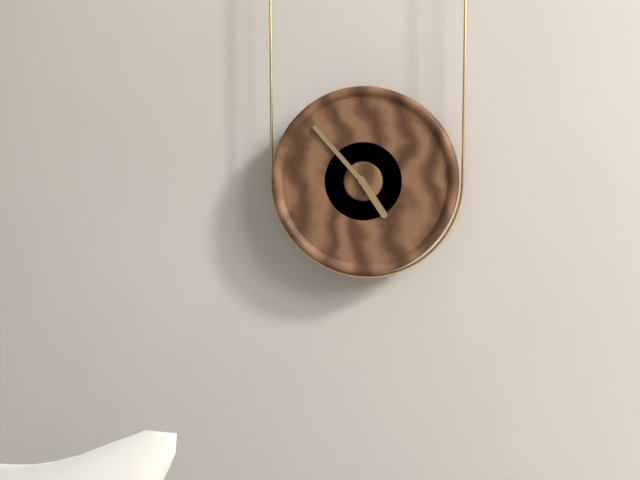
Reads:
h=4 m=53
